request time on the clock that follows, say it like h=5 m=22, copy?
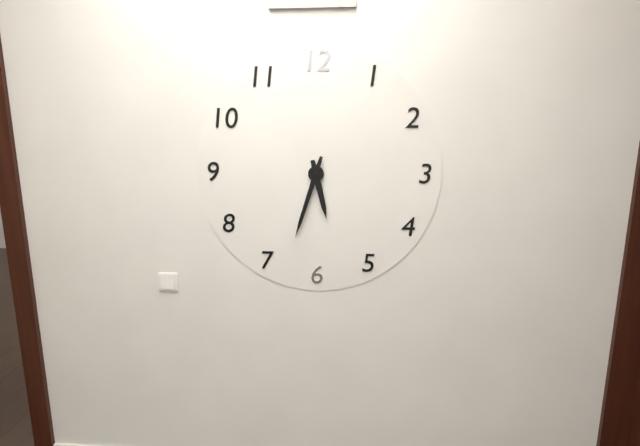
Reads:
h=5 m=33
